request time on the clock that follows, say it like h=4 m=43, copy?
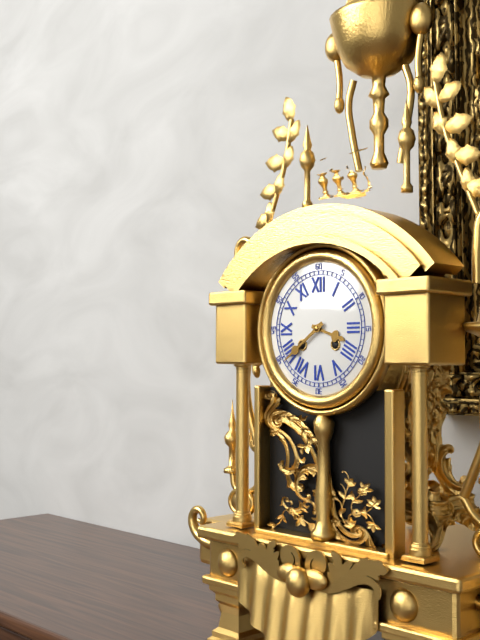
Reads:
h=3 m=39
